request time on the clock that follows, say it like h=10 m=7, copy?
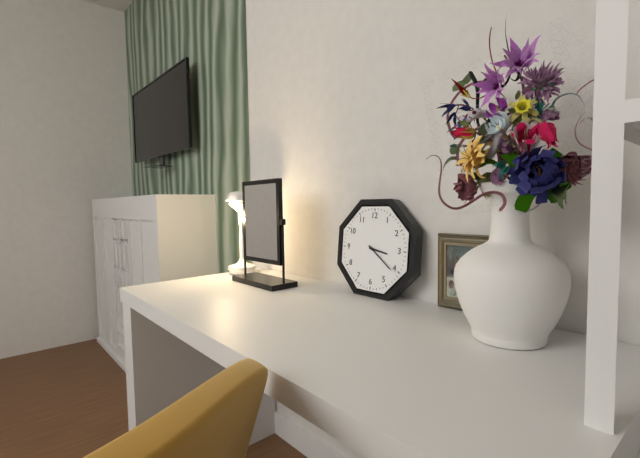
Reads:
h=3 m=21
